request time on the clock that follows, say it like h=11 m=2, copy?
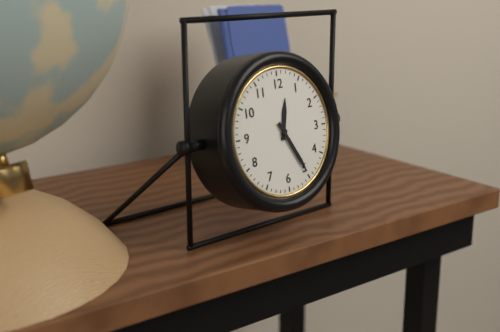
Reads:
h=12 m=25
